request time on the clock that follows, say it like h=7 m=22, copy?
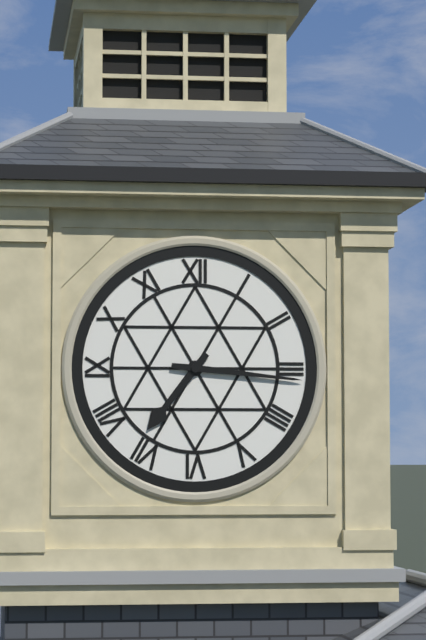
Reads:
h=7 m=16
